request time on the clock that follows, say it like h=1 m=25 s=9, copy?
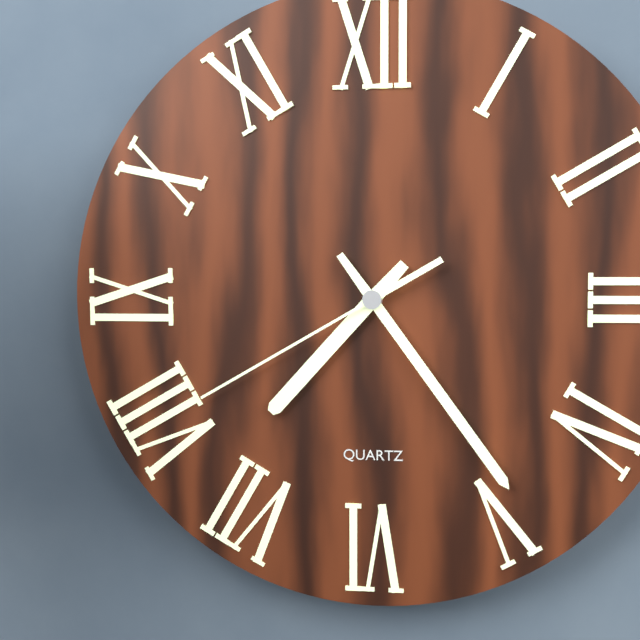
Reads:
h=7 m=24 s=40
